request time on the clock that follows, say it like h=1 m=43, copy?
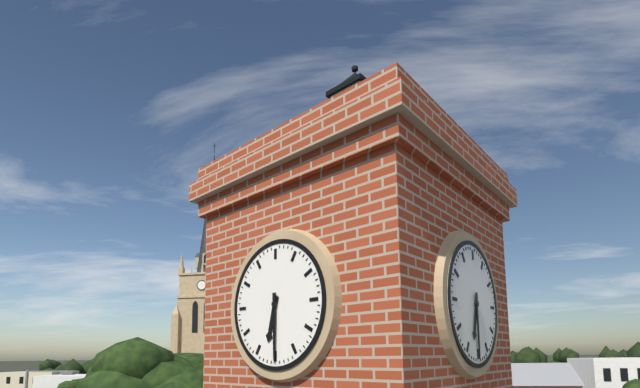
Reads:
h=6 m=30
